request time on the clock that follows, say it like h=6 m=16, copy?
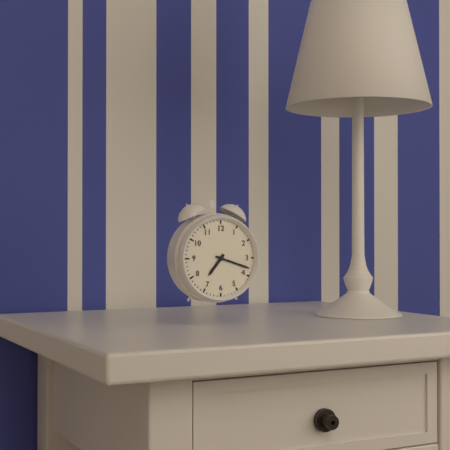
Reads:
h=7 m=18
